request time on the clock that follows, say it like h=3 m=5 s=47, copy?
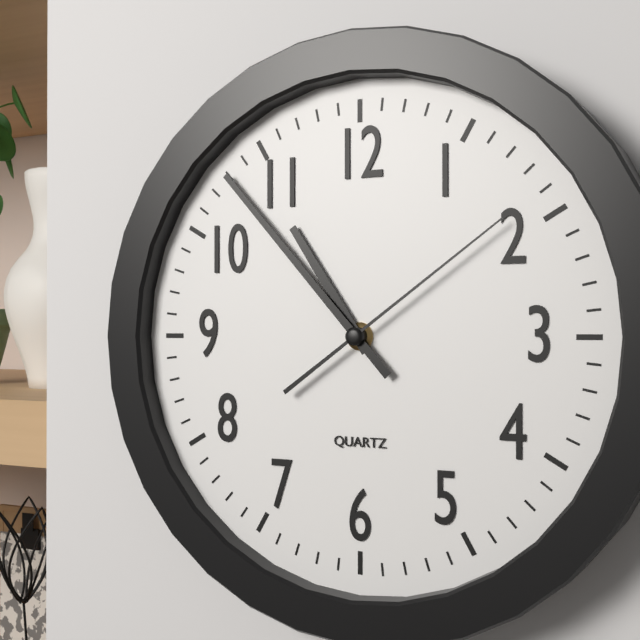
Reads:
h=10 m=53 s=9
